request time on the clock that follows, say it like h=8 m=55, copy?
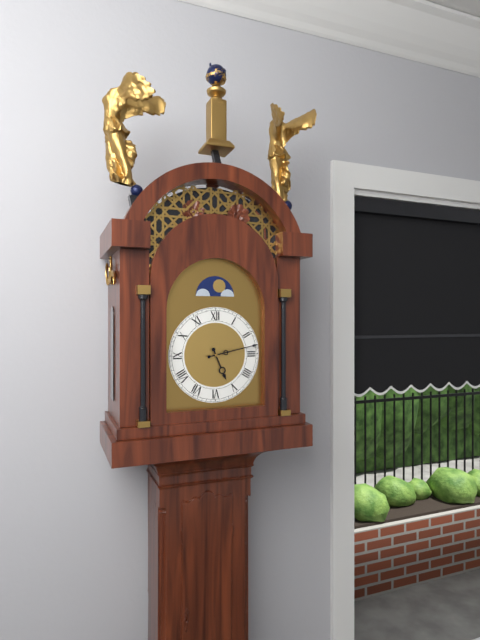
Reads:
h=5 m=13
